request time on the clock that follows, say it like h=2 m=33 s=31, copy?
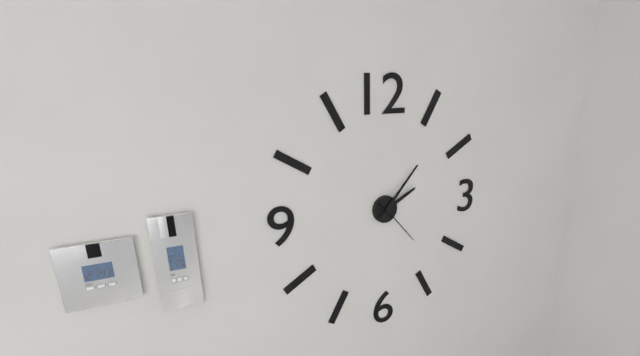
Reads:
h=2 m=7 s=23
